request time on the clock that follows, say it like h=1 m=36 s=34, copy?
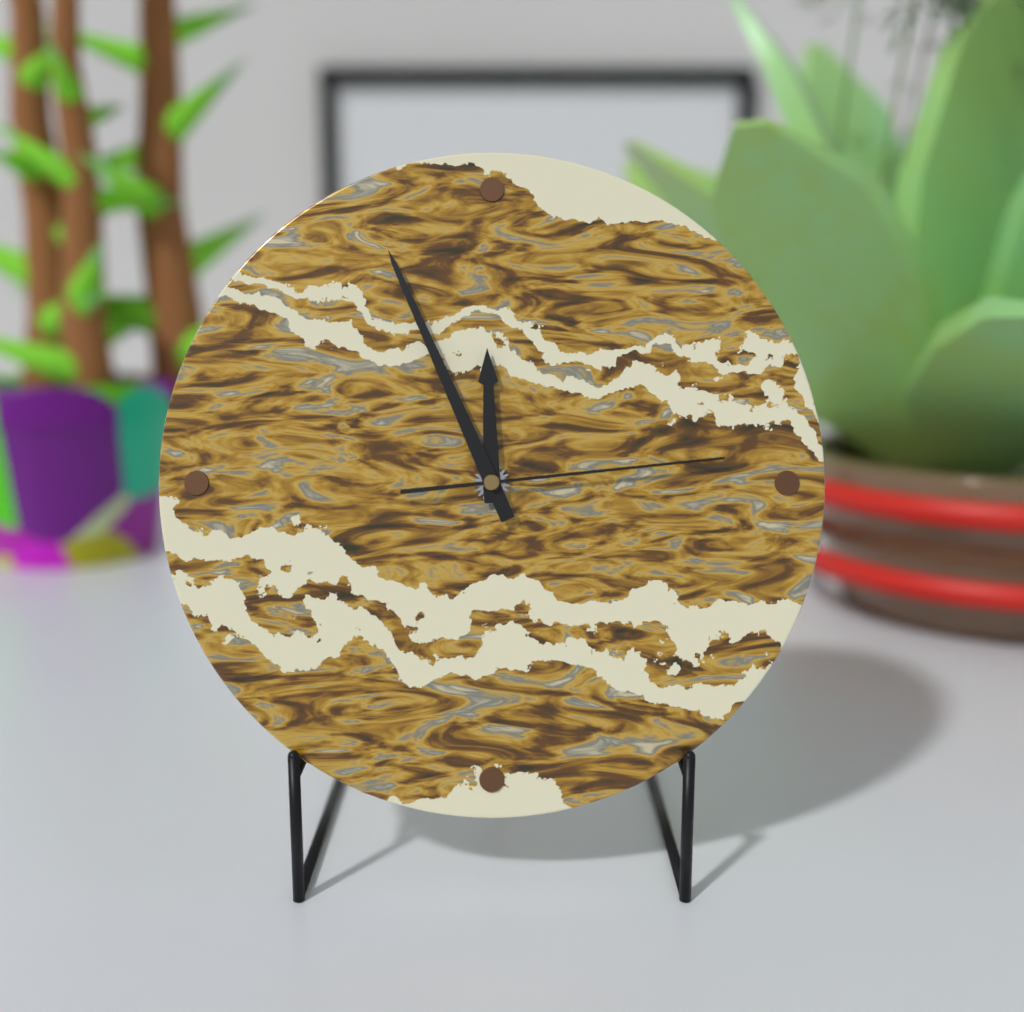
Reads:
h=11 m=56 s=14
